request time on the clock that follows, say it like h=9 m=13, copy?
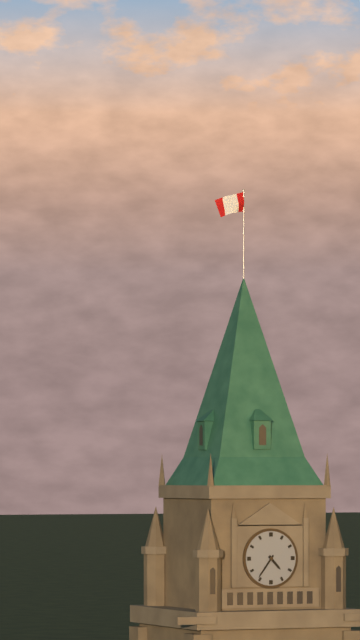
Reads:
h=4 m=36
